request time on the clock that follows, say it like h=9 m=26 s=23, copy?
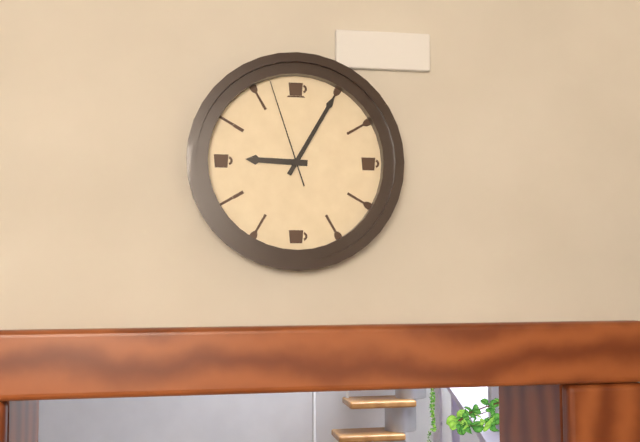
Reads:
h=9 m=5 s=57
